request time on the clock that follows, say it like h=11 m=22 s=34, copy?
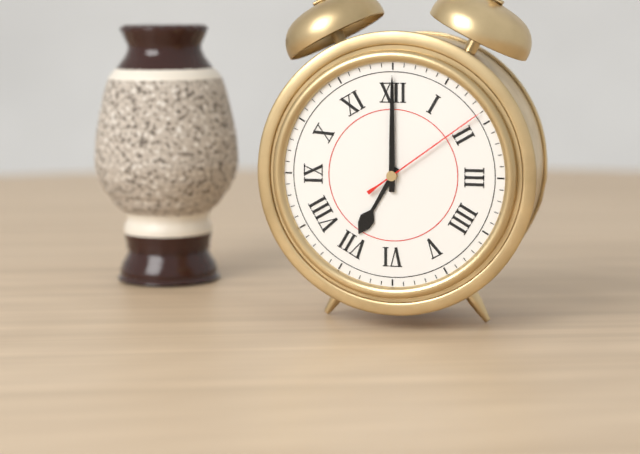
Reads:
h=7 m=0 s=9
